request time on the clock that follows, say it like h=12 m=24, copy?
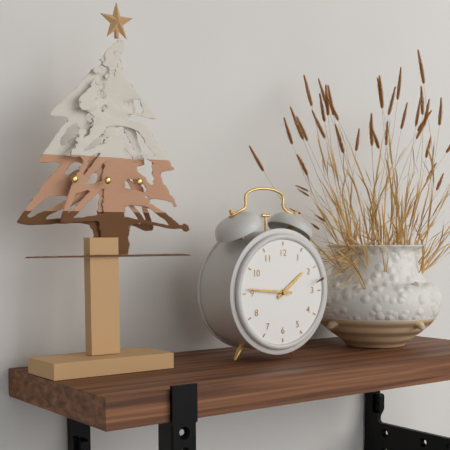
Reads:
h=1 m=46
